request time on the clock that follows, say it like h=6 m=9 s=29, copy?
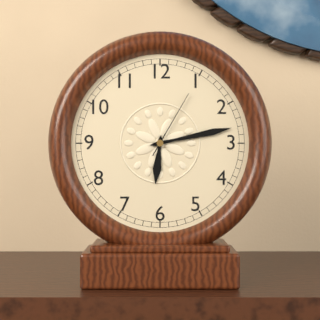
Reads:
h=6 m=13 s=5
